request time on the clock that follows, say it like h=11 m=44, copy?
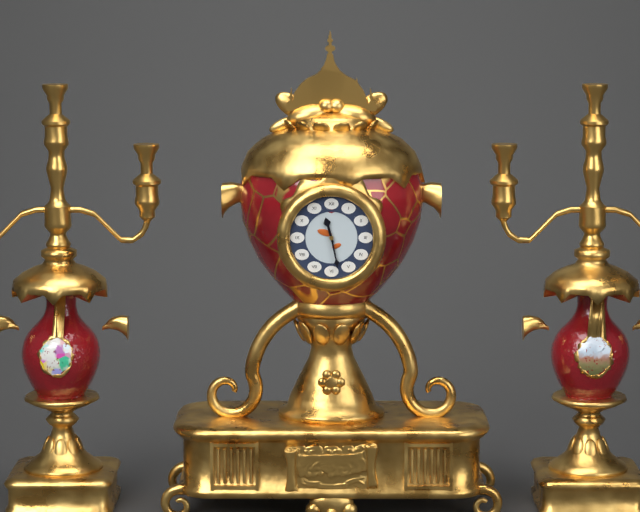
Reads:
h=11 m=28
